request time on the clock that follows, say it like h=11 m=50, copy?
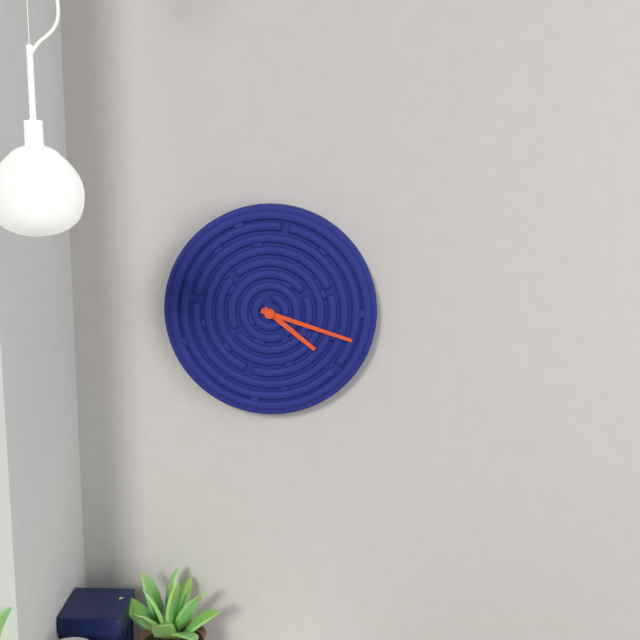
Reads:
h=4 m=18
